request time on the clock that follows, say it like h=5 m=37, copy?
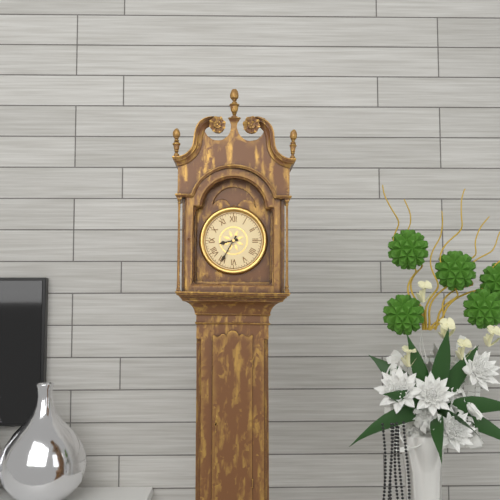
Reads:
h=8 m=35
